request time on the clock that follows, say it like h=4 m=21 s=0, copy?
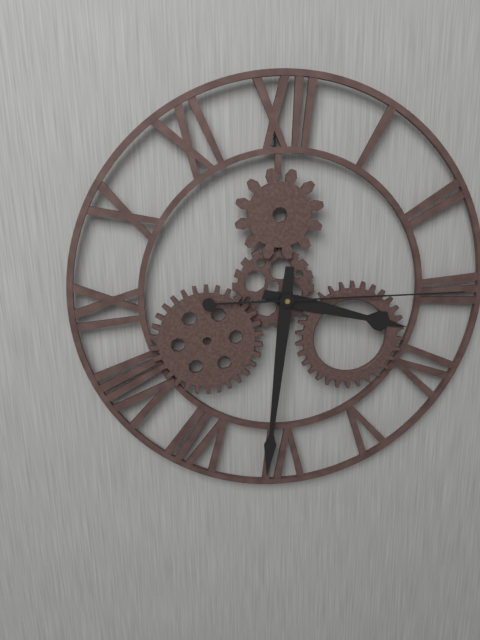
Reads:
h=3 m=31 s=15
